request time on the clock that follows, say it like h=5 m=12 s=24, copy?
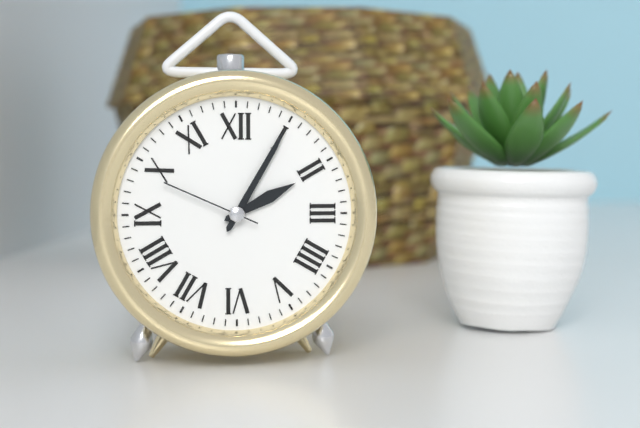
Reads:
h=2 m=5 s=49
